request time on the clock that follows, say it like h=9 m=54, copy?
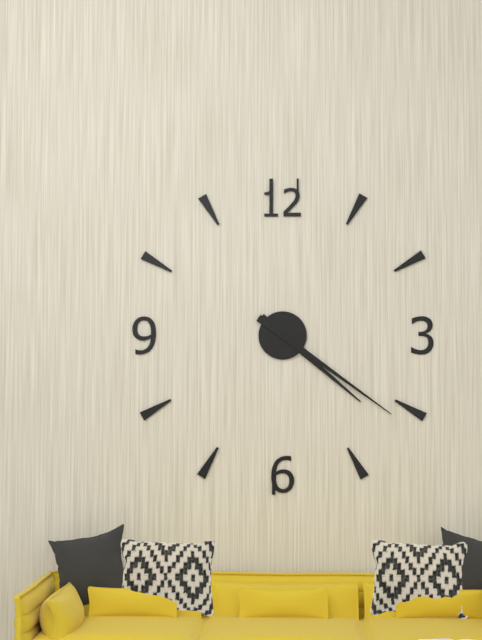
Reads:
h=4 m=21
